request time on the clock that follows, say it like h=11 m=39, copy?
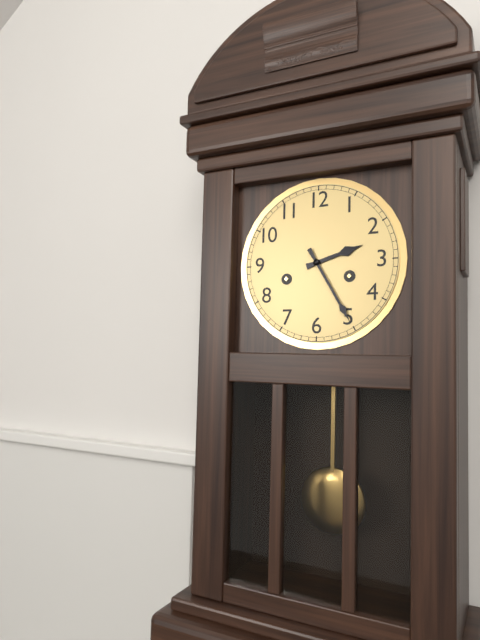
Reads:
h=2 m=25
